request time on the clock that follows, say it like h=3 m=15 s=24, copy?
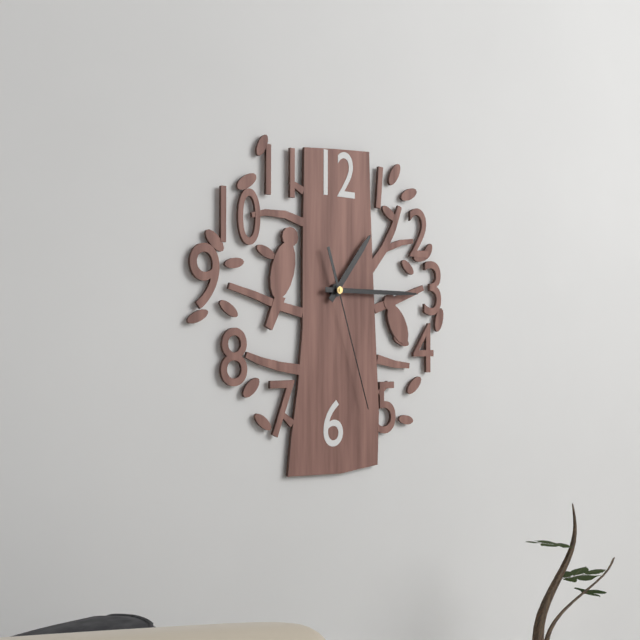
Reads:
h=1 m=15 s=27
